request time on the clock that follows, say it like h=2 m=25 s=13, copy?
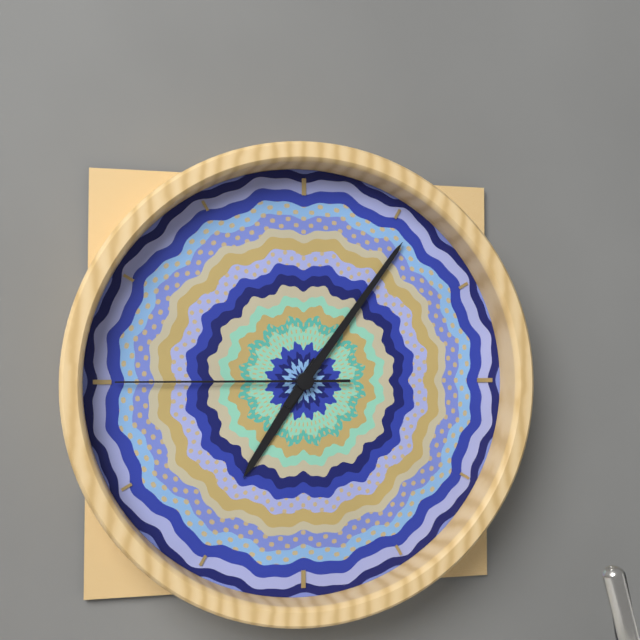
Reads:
h=7 m=6 s=45
